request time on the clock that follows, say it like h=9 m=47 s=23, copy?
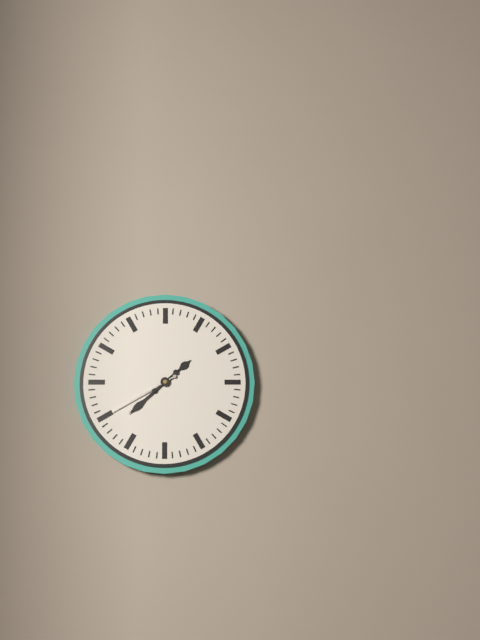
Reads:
h=1 m=38 s=40
